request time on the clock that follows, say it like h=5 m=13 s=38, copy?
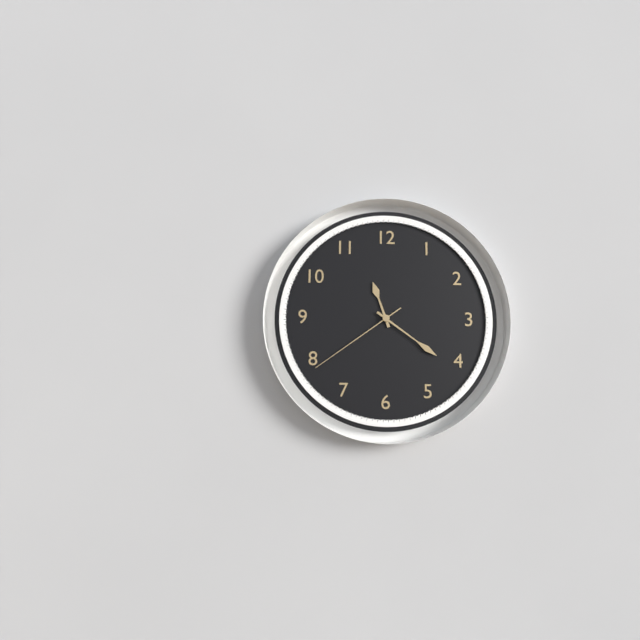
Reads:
h=11 m=21 s=39
